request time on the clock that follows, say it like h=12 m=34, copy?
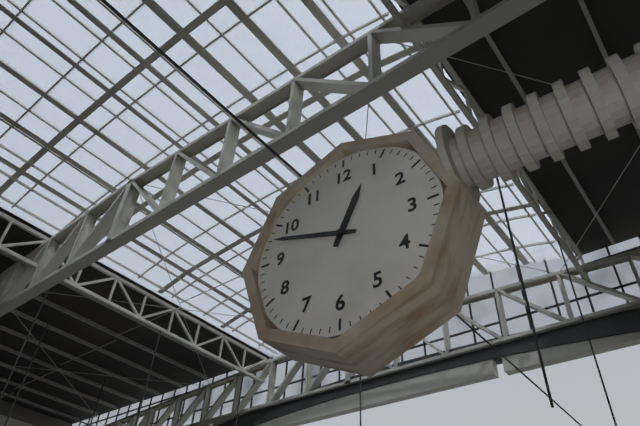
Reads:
h=12 m=48
